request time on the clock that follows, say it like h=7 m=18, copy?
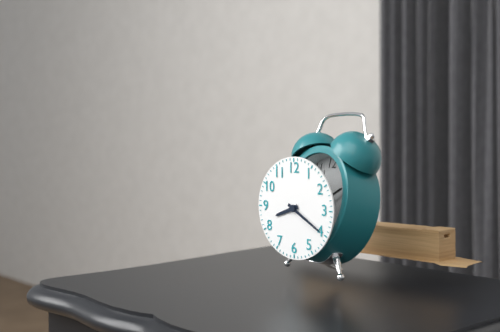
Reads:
h=8 m=20
